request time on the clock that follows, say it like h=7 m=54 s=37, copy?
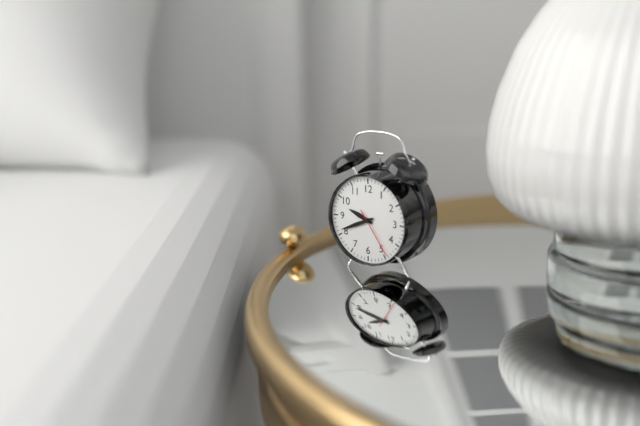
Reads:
h=9 m=41 s=24
